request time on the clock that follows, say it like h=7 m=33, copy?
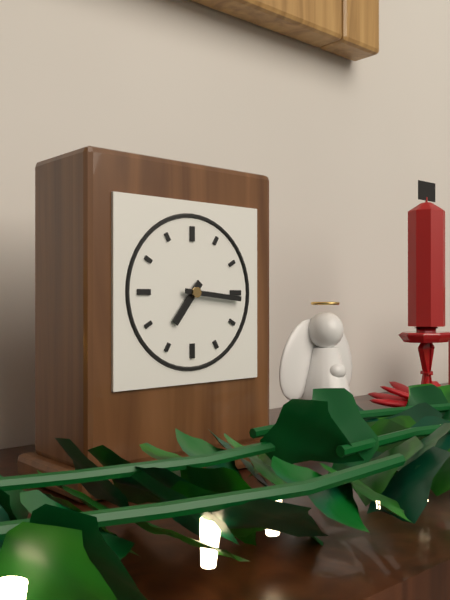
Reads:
h=7 m=16
